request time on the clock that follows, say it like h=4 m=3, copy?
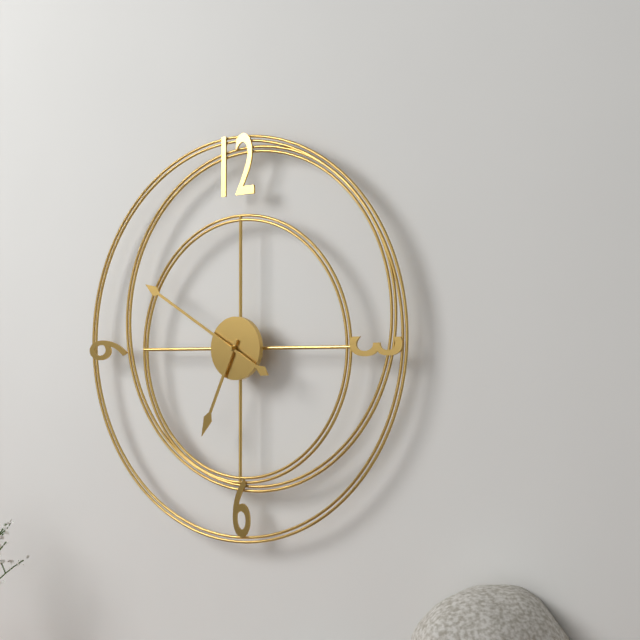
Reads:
h=6 m=50
